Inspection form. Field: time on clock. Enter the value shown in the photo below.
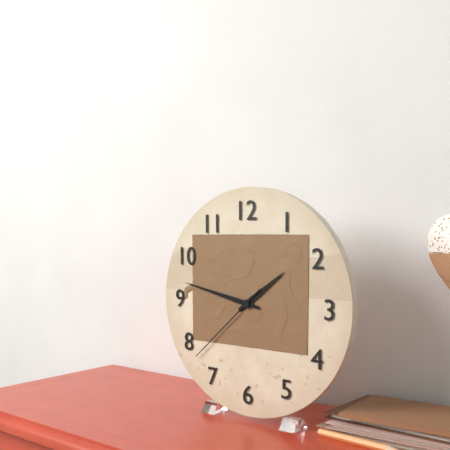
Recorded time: 1:47:38
